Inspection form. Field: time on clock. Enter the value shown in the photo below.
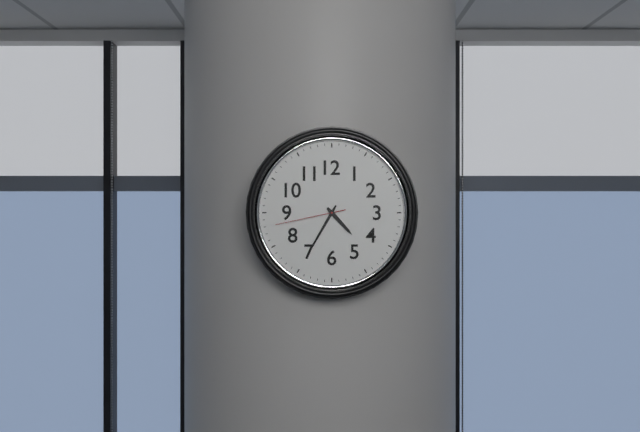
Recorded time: 4:35:43
